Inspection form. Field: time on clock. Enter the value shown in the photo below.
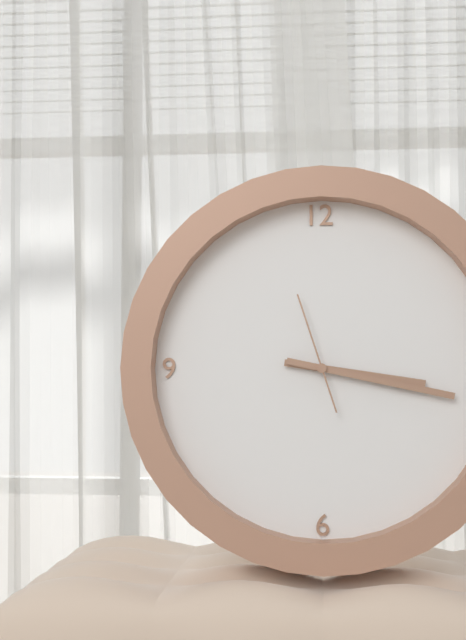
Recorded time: 3:17:57
